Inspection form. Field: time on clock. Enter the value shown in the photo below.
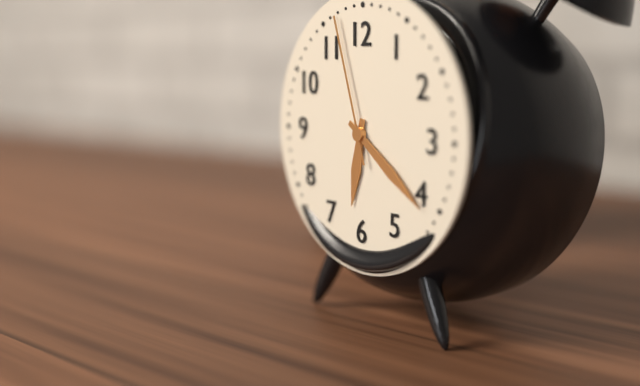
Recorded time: 6:21:57
